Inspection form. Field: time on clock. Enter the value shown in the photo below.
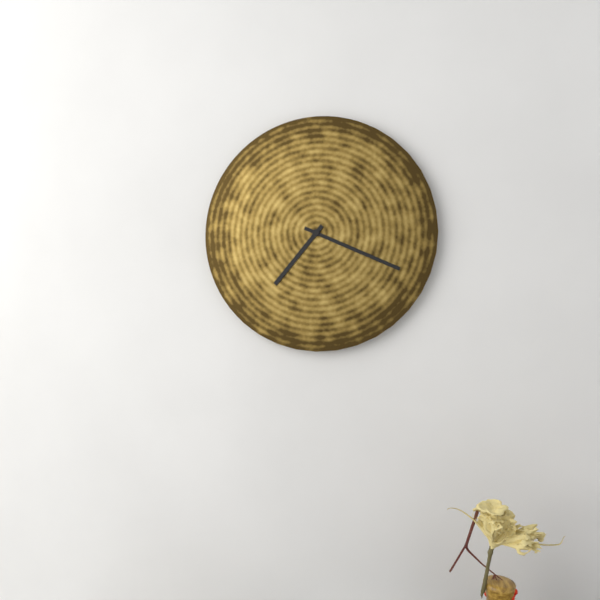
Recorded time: 7:19
